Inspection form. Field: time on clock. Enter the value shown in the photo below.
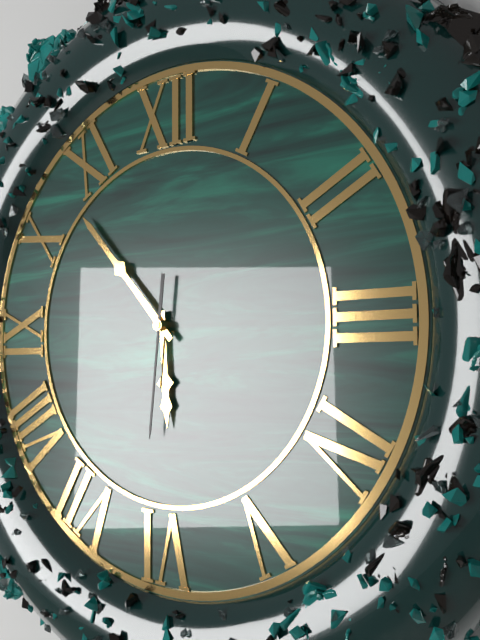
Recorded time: 5:53:31
